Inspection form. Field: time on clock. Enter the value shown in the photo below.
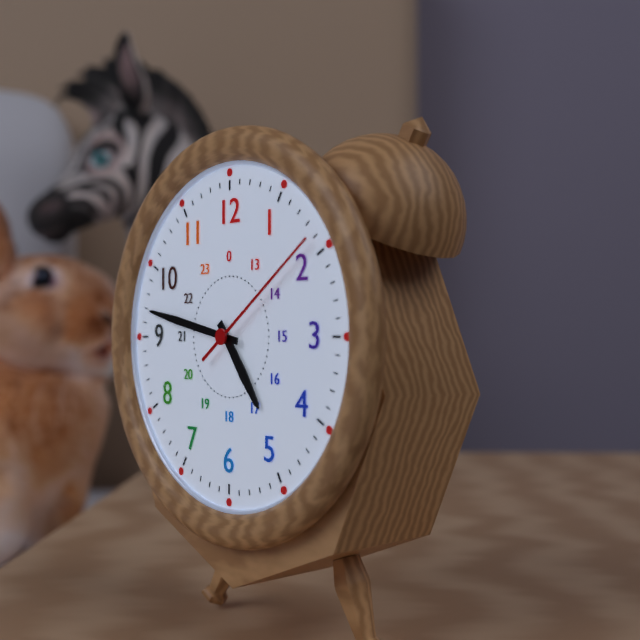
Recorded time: 4:47:09
